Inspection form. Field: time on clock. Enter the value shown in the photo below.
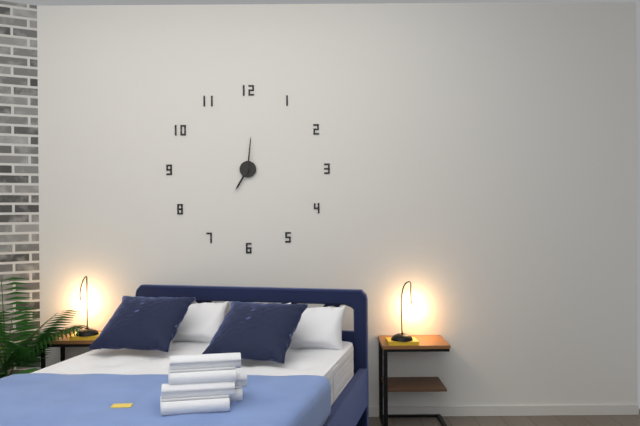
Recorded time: 7:01
